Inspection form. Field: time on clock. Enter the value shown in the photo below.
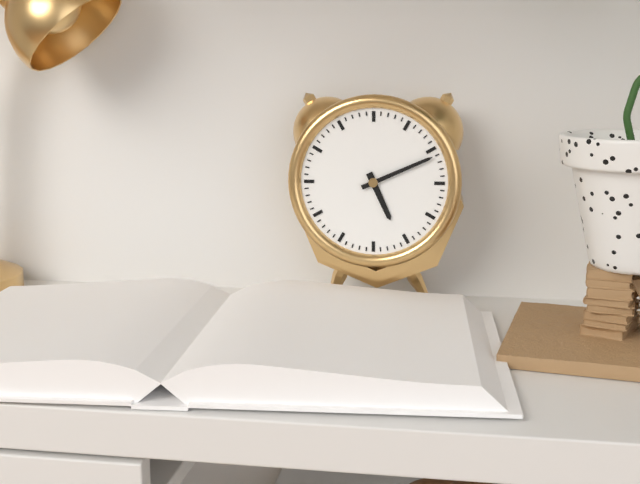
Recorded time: 5:11
